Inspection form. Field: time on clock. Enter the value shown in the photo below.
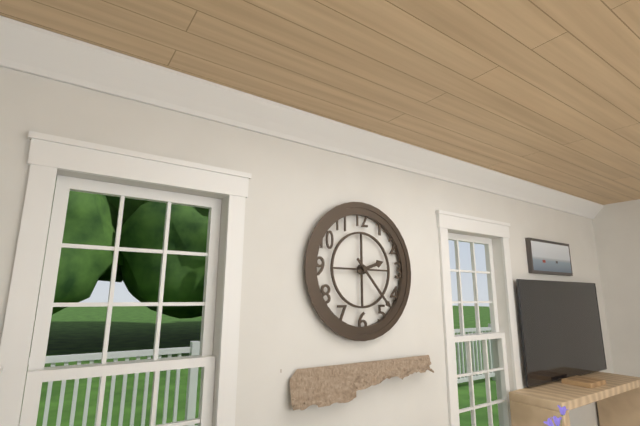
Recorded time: 2:23
